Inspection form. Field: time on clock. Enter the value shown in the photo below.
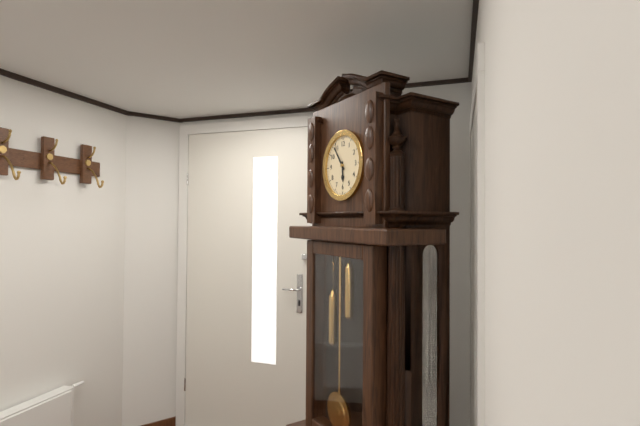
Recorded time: 5:54
